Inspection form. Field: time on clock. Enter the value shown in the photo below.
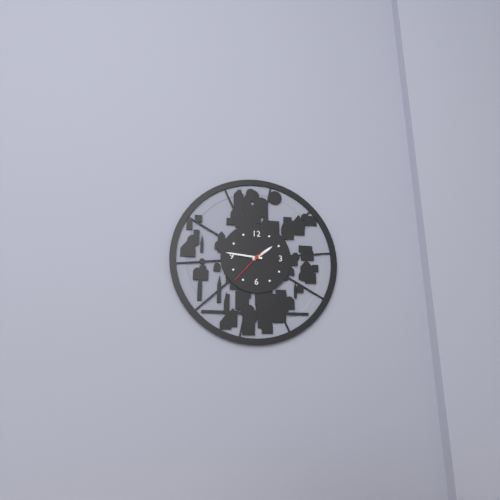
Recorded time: 1:46
